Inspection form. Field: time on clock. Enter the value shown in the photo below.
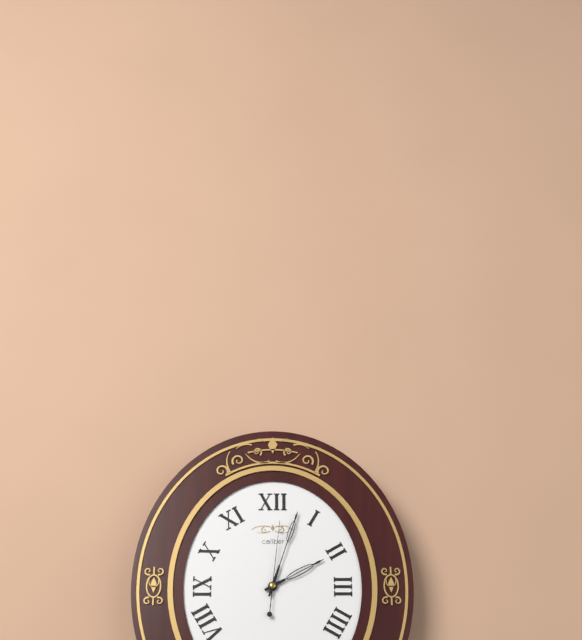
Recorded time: 2:03:01
